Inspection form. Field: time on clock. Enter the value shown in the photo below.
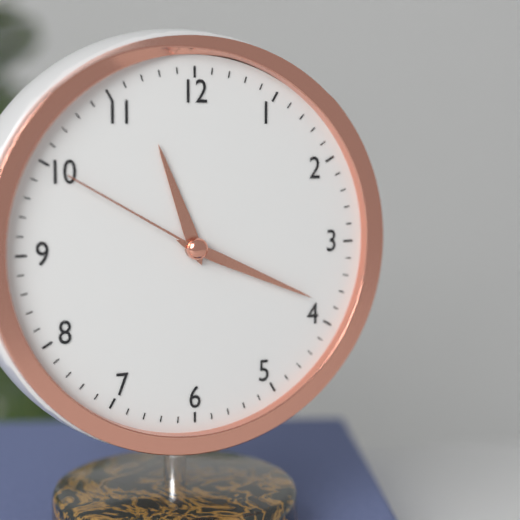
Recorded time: 11:19:50
